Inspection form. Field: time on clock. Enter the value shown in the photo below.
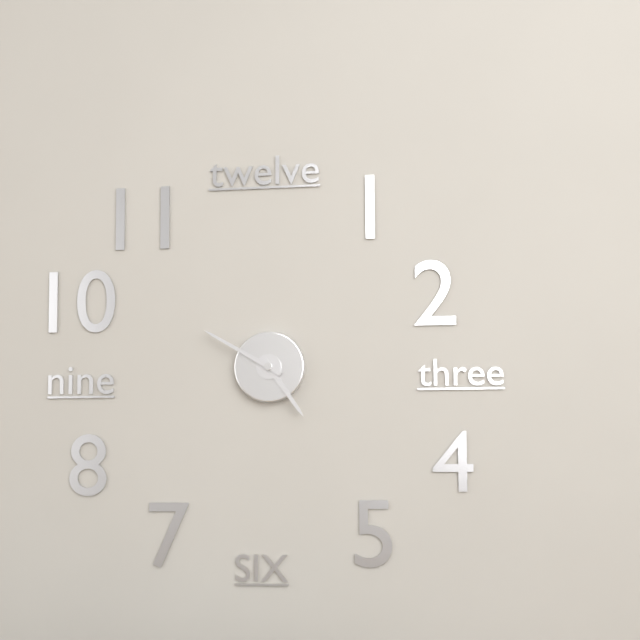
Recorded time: 4:50
